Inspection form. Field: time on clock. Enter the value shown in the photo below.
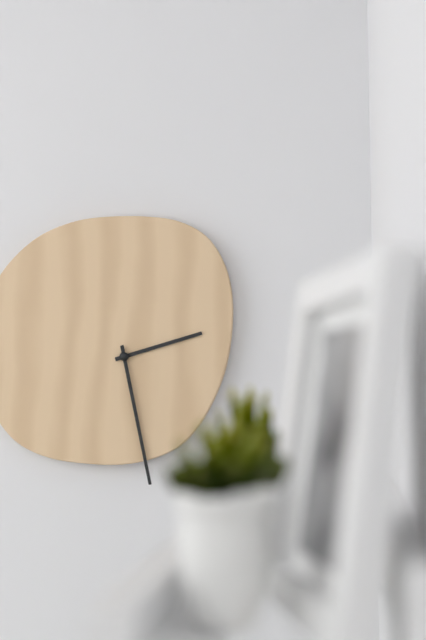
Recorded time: 2:28
